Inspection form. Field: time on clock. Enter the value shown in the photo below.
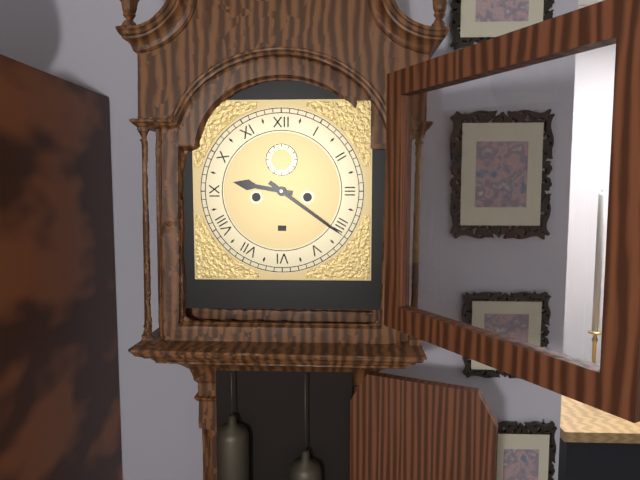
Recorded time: 9:21
